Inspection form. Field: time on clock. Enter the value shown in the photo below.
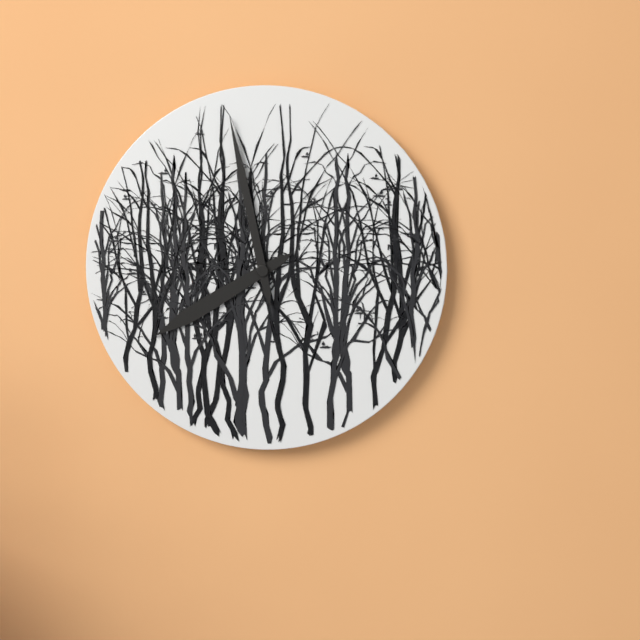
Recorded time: 7:58
